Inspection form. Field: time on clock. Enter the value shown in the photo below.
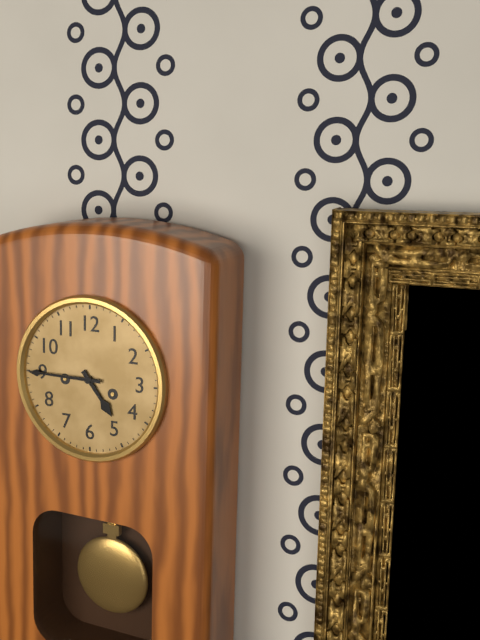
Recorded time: 4:45
